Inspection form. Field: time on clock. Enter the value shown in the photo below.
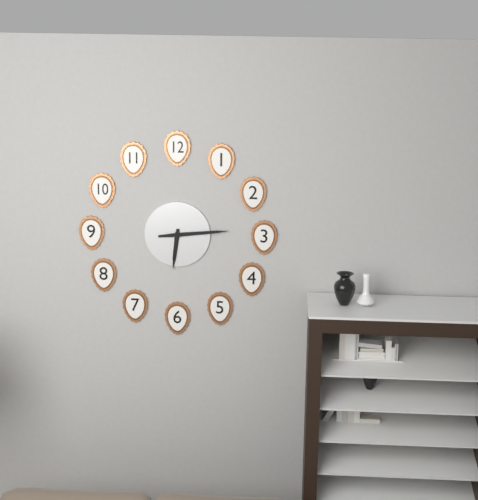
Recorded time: 6:14
